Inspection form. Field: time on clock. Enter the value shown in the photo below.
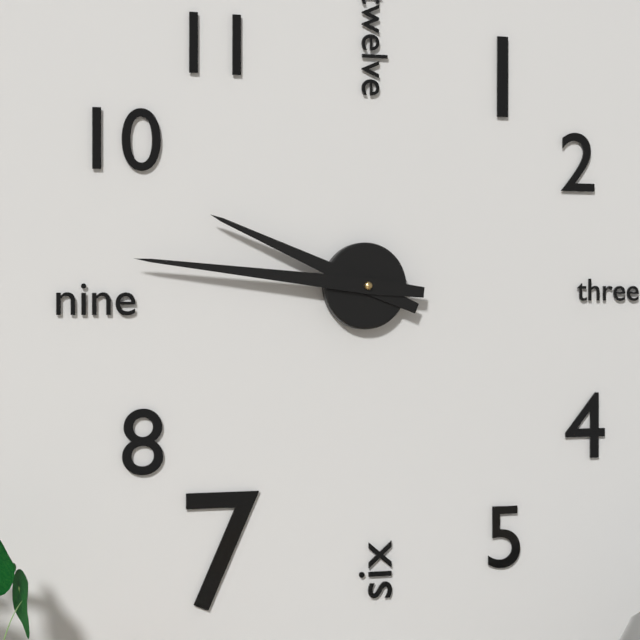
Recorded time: 9:46
